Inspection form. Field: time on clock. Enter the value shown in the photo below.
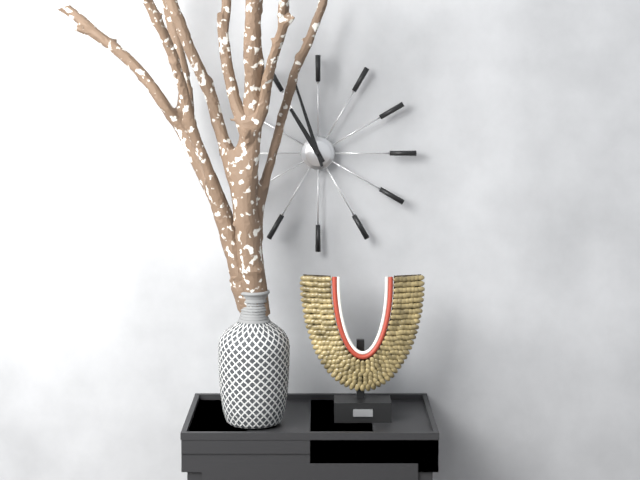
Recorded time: 10:57
